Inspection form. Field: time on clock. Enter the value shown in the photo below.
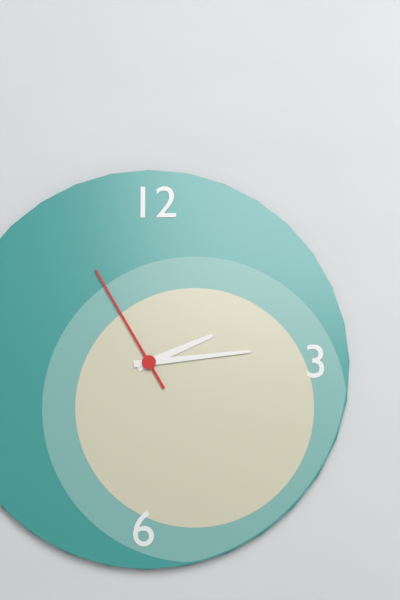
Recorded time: 2:14:55
